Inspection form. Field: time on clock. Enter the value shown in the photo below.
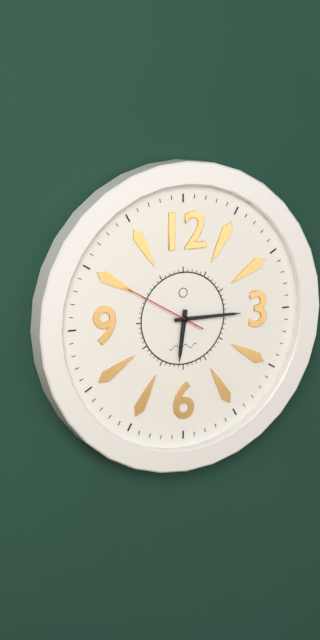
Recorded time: 6:15:50
